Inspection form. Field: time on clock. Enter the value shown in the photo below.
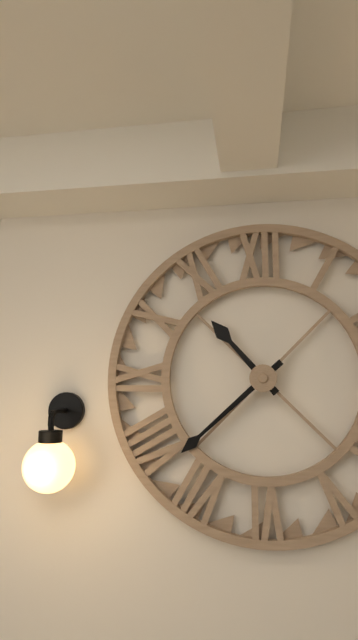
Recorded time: 10:38
